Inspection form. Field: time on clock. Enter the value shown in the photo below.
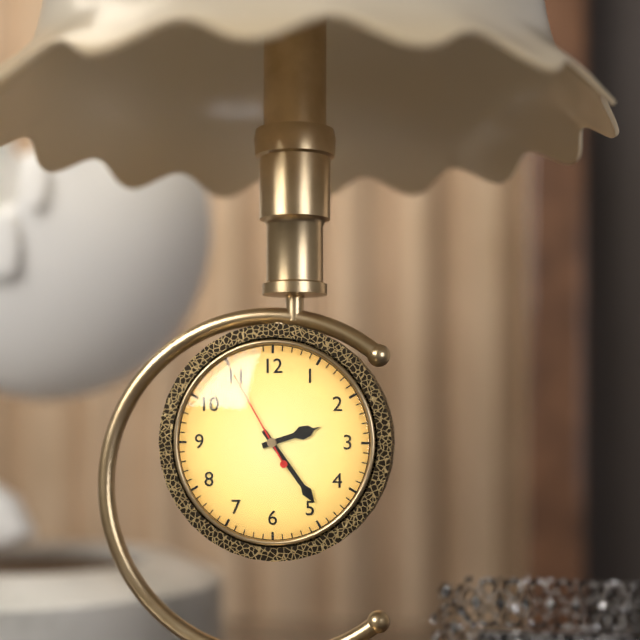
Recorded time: 2:24:55
